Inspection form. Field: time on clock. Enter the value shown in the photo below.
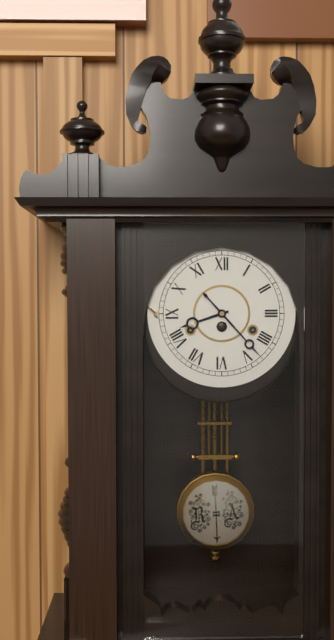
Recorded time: 8:23
